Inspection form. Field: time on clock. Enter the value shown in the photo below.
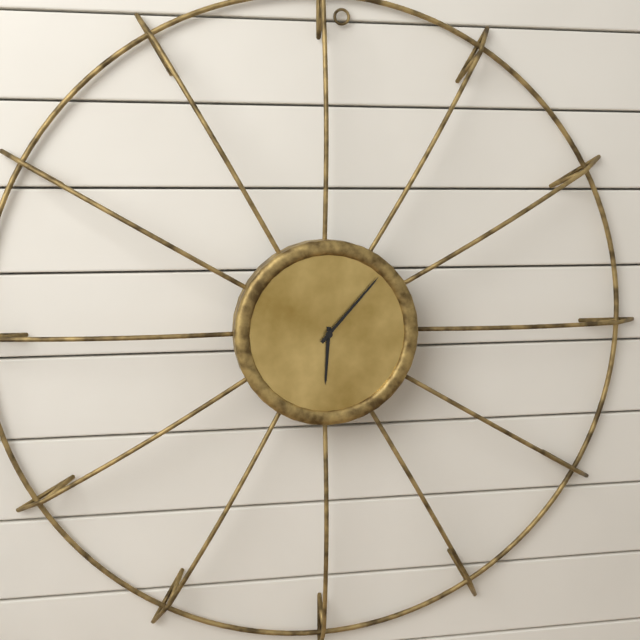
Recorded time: 6:07
